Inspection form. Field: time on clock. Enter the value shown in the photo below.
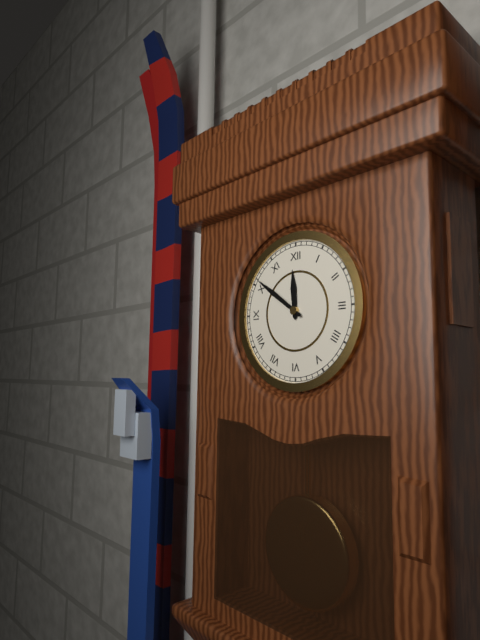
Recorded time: 11:51
